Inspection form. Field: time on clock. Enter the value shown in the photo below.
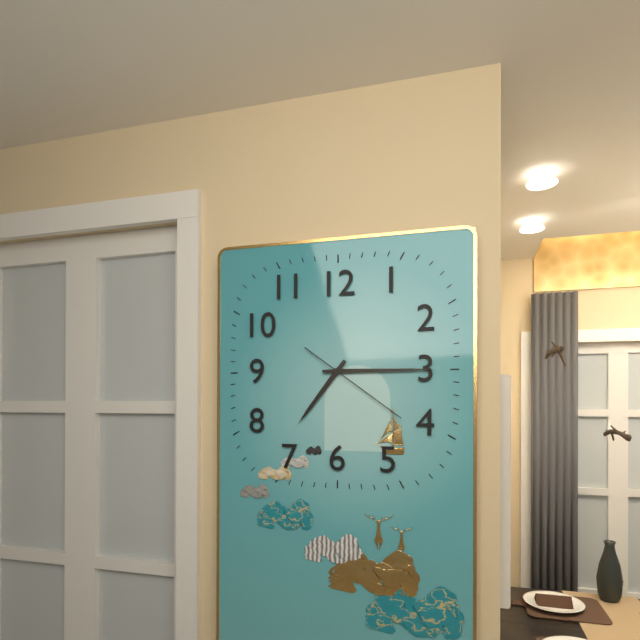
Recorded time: 7:15:21
